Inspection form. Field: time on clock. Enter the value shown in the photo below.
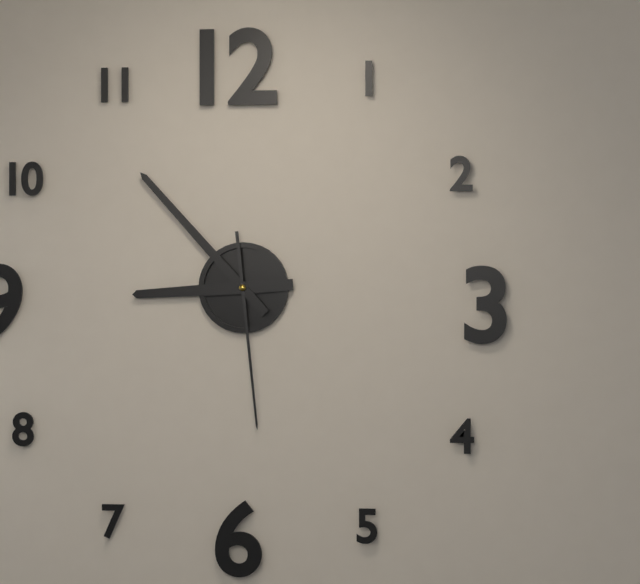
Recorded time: 8:53:29
